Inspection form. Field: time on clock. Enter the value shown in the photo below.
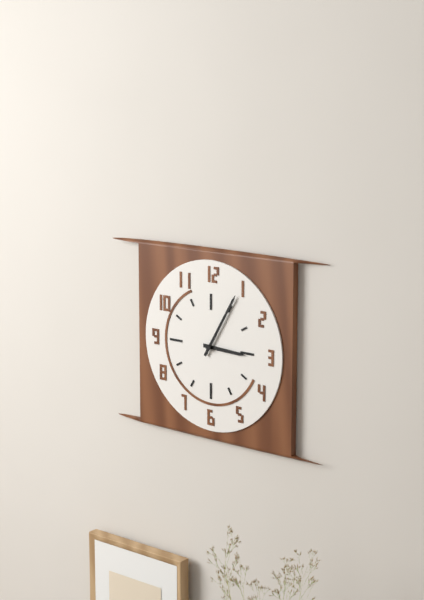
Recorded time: 3:05
